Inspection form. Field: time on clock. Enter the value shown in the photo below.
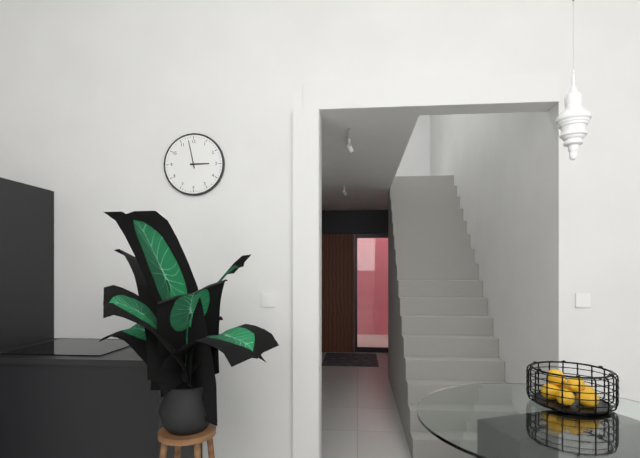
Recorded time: 2:58
